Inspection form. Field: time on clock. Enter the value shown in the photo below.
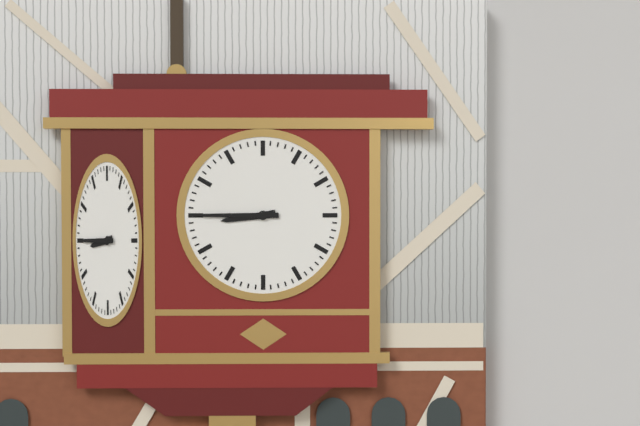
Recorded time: 8:45
